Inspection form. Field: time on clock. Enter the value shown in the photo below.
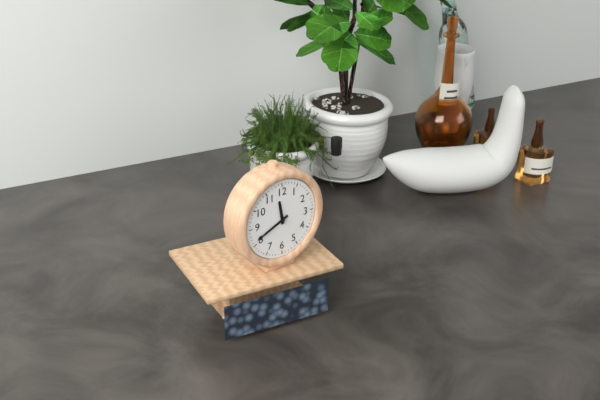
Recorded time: 11:41
